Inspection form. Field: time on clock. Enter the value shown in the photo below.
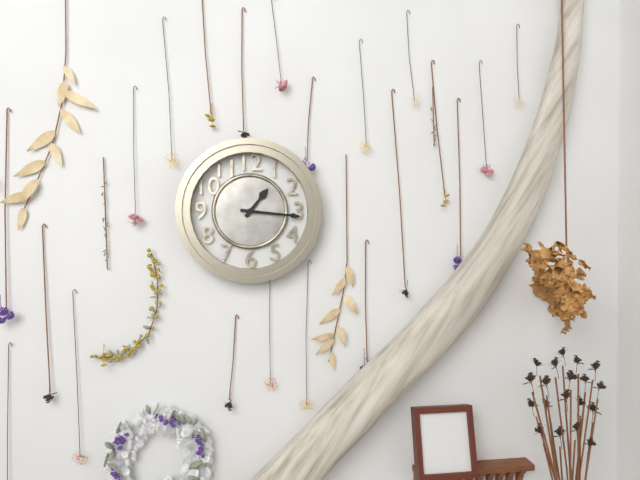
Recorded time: 1:16
